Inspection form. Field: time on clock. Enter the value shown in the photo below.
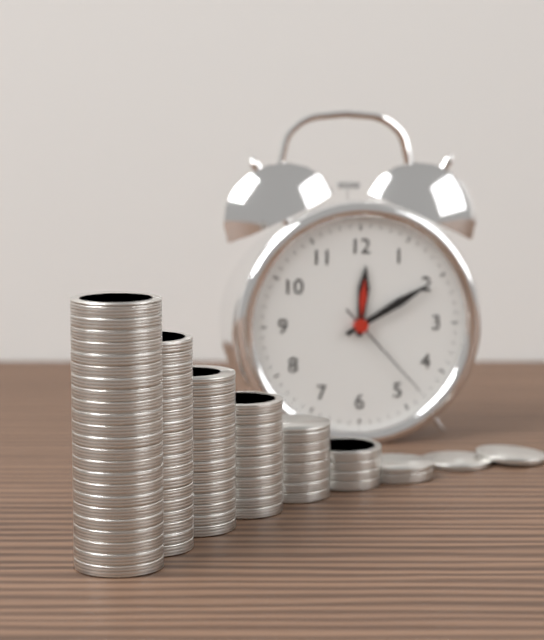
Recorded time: 12:10:23
